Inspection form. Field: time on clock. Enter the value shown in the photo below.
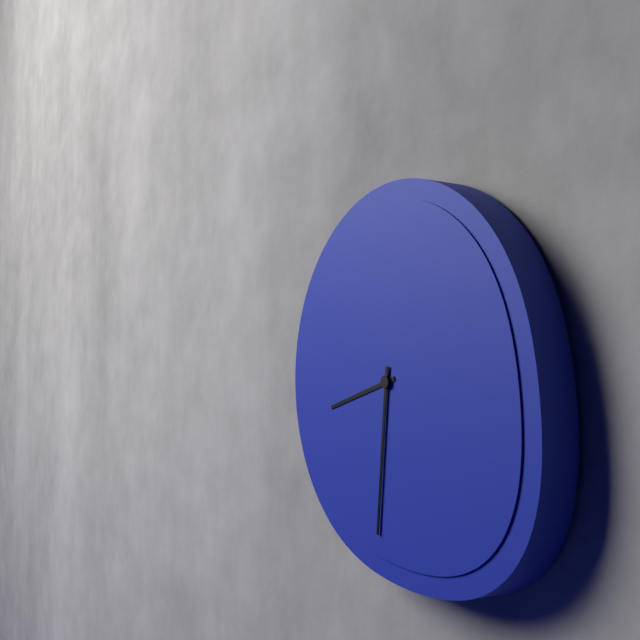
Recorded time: 8:31
